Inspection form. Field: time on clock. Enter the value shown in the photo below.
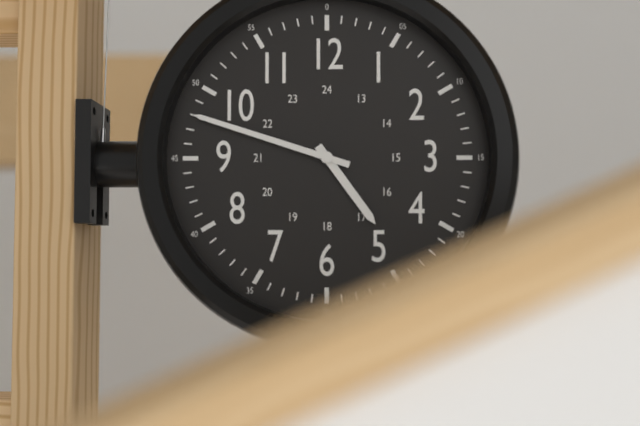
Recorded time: 4:48
